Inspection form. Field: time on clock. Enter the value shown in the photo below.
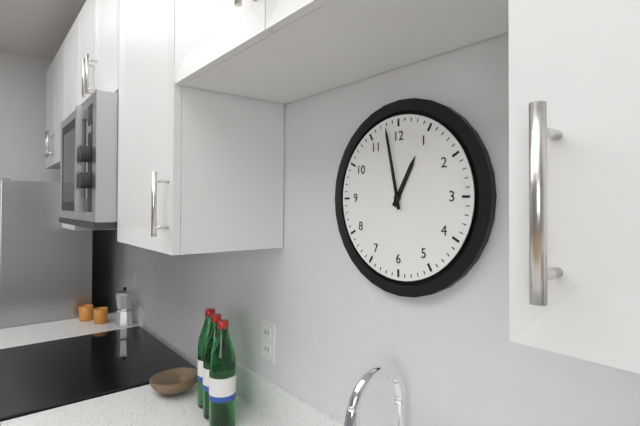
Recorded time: 12:58
